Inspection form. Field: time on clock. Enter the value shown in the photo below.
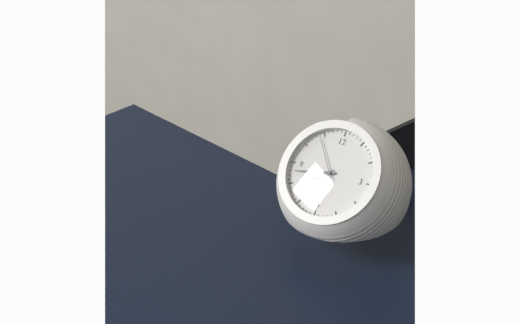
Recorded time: 7:43
